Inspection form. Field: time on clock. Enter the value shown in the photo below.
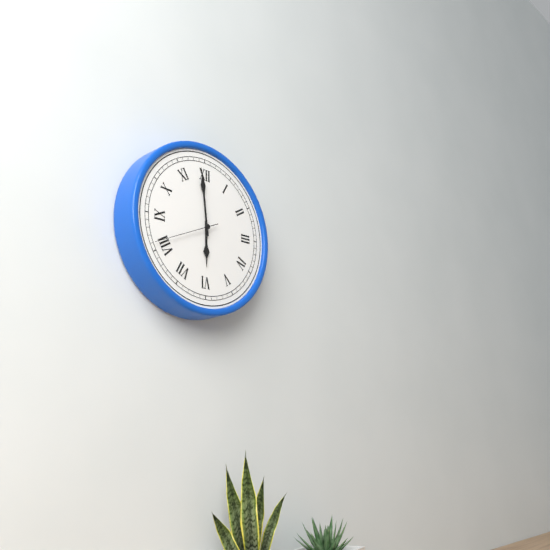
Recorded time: 5:59:41
